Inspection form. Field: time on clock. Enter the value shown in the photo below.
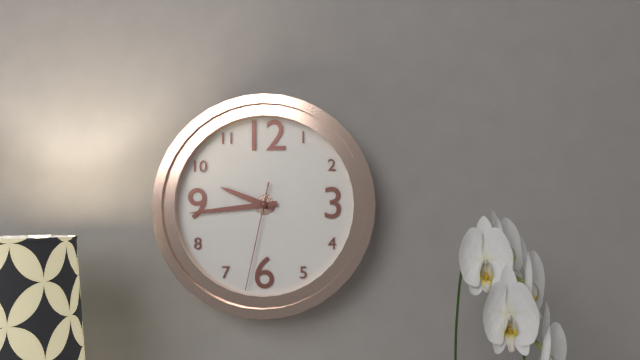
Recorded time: 9:44:32
